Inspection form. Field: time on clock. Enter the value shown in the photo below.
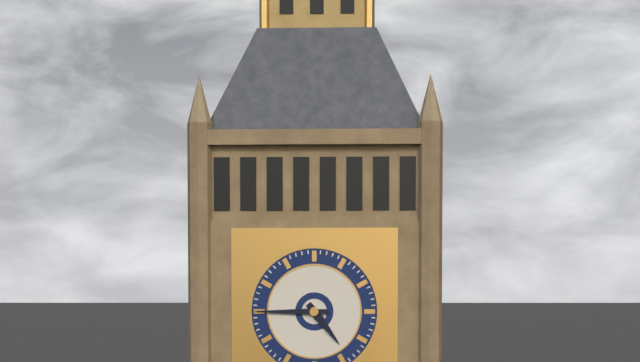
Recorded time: 4:45
